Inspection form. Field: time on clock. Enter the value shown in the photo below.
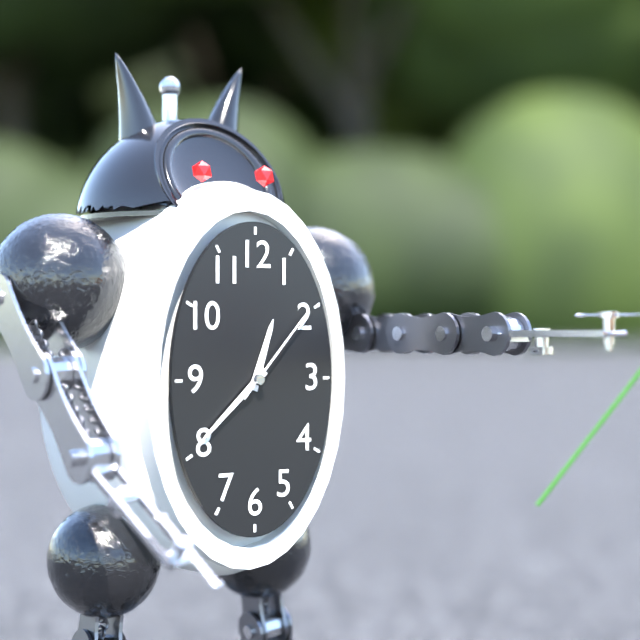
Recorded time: 12:38:07
